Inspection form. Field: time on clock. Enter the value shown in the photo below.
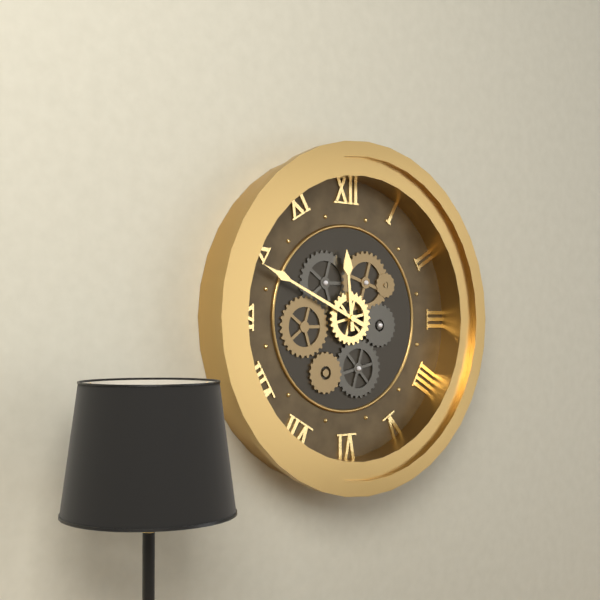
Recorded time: 11:49
